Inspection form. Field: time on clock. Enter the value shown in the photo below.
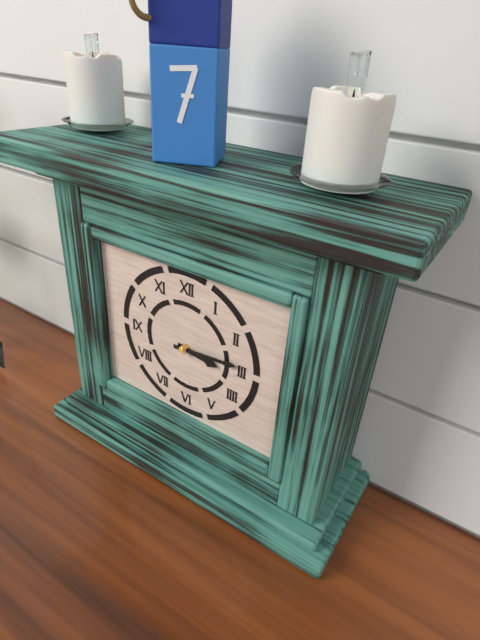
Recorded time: 3:14
